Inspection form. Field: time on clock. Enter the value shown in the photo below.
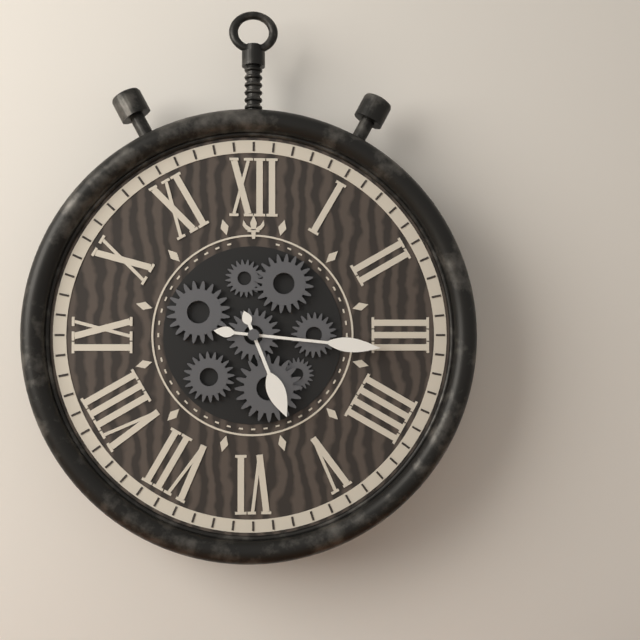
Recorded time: 5:16
